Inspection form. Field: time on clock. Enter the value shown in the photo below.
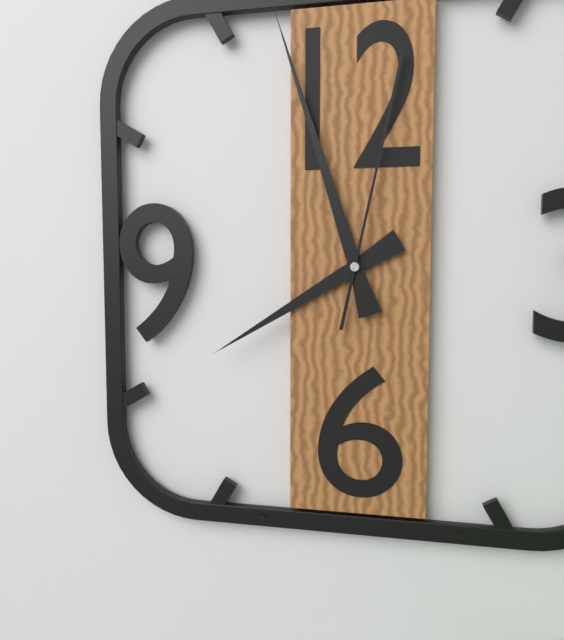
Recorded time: 7:57:02
